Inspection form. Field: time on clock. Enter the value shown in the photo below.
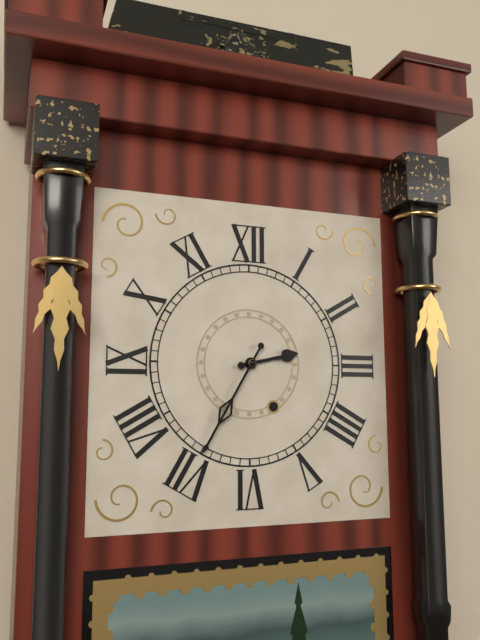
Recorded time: 2:35
